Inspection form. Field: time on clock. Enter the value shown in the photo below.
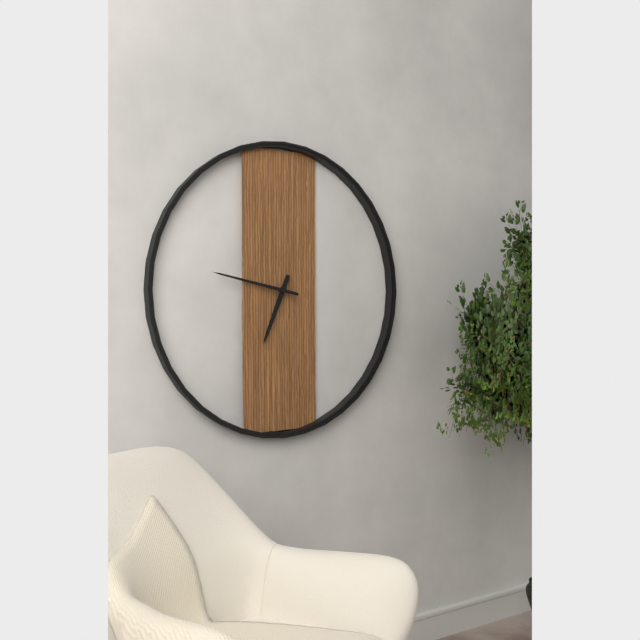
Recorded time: 6:47
